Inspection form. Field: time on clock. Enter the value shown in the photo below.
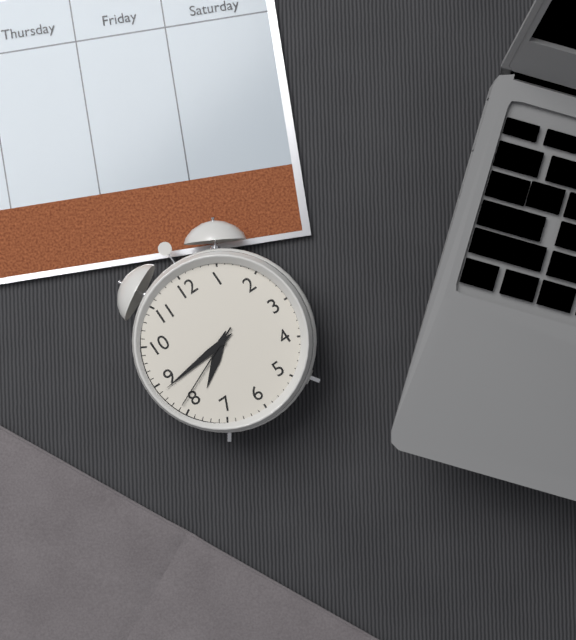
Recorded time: 7:44:41
